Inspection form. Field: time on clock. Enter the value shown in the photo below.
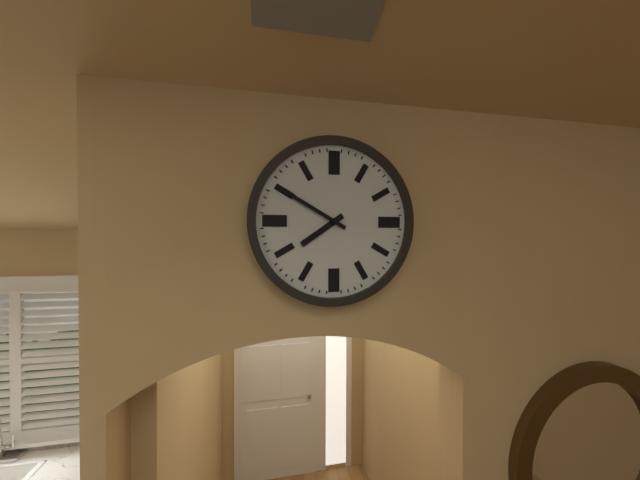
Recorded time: 7:50
